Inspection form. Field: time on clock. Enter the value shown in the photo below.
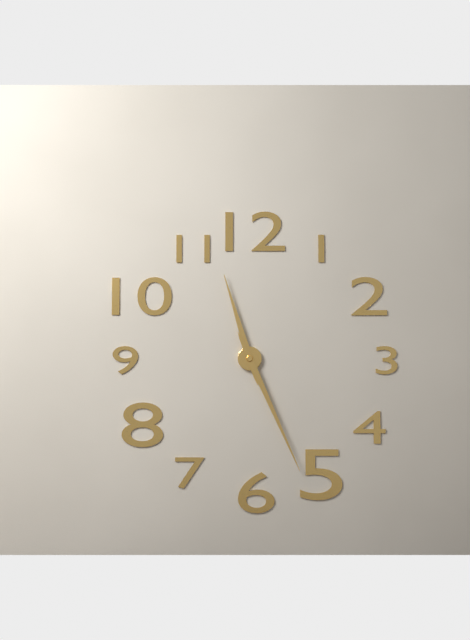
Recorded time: 11:26
